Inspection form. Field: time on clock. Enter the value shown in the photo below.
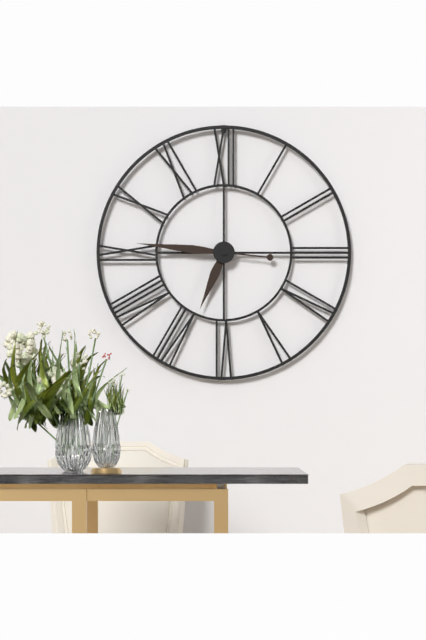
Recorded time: 6:46
